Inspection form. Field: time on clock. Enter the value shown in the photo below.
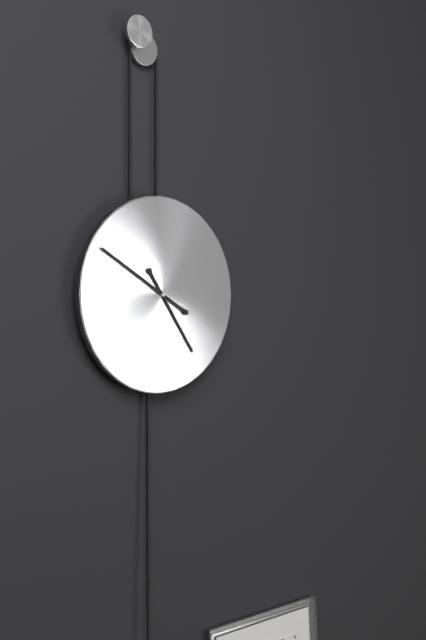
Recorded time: 4:50
